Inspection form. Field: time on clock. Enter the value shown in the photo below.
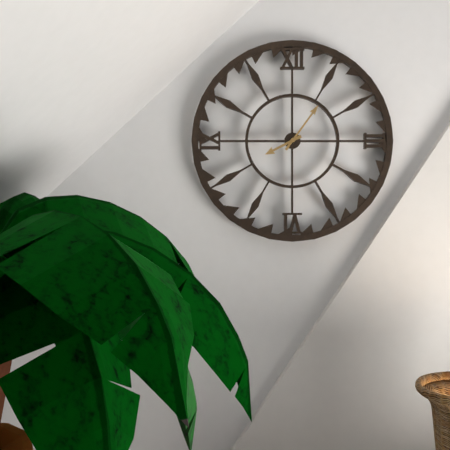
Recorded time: 8:06
